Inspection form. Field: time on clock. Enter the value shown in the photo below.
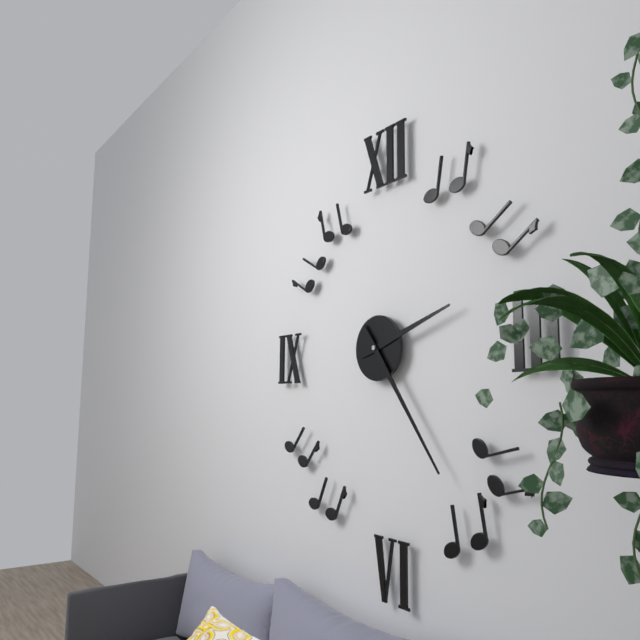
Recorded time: 2:24
